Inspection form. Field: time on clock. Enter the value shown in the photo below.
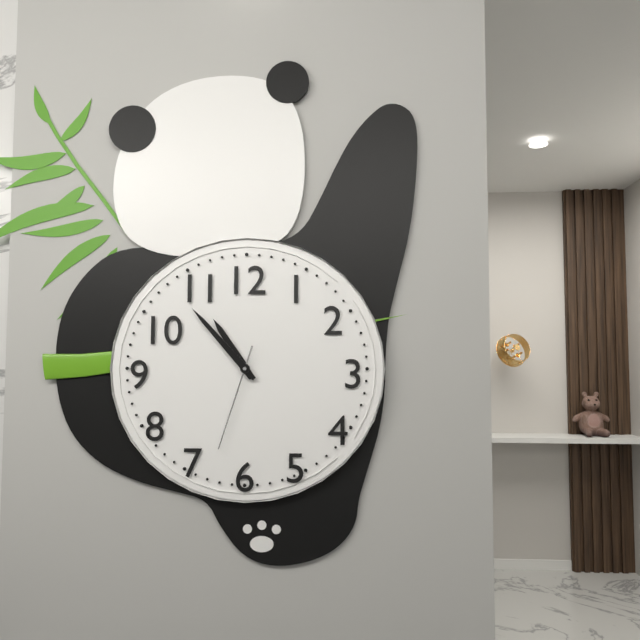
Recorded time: 10:53:33
